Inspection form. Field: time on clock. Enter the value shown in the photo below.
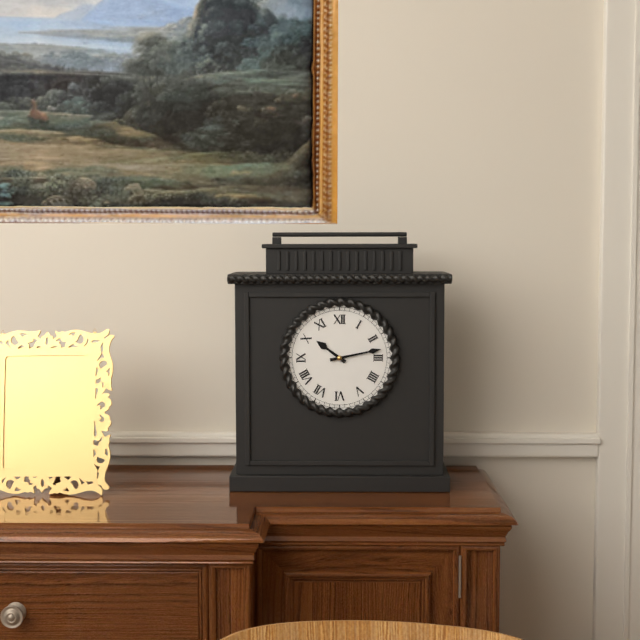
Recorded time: 10:13
